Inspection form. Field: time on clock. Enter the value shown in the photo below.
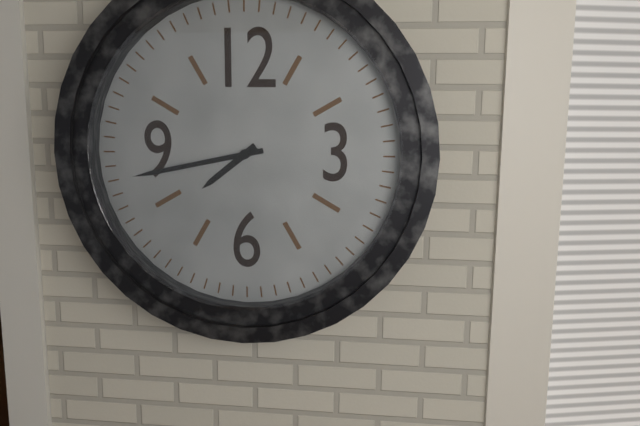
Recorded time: 7:43
